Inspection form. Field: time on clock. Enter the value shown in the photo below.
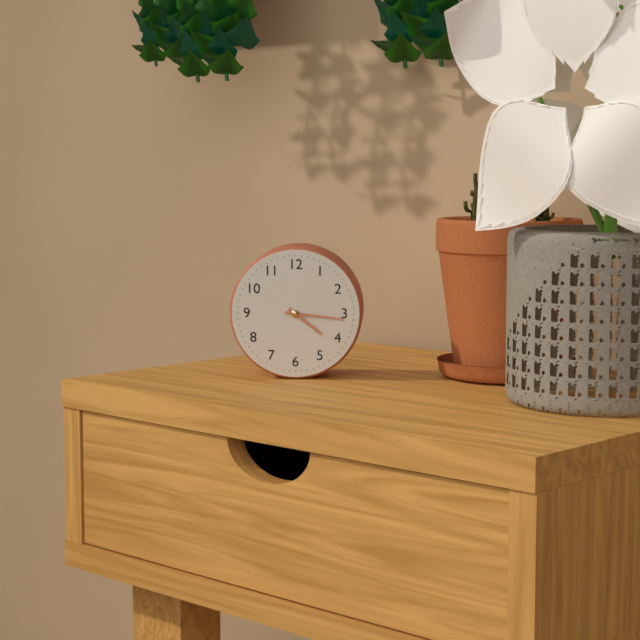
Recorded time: 4:16
